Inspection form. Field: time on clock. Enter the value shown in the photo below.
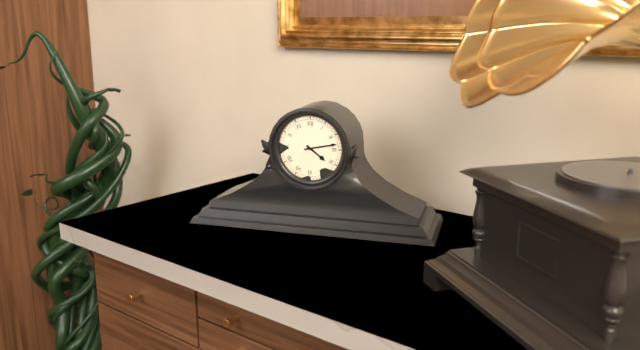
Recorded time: 4:13
